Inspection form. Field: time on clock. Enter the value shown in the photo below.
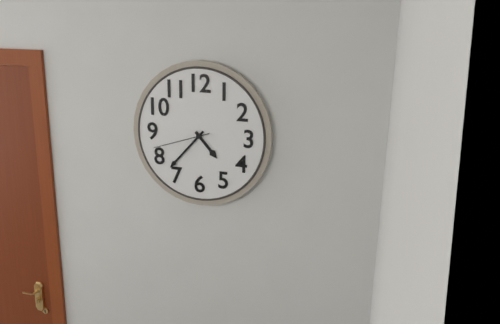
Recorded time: 4:37:42
